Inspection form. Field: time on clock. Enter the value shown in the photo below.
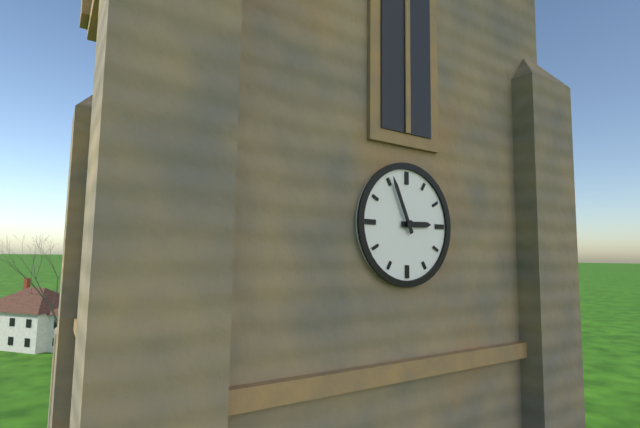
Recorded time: 2:56
